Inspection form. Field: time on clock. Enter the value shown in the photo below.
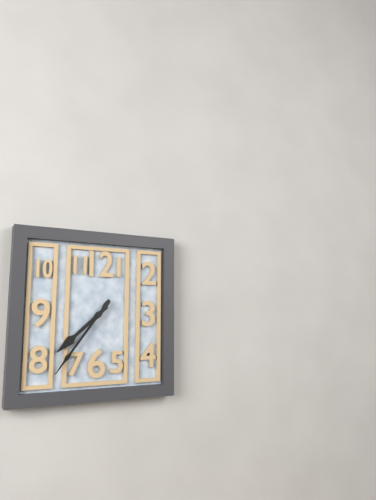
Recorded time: 7:36
